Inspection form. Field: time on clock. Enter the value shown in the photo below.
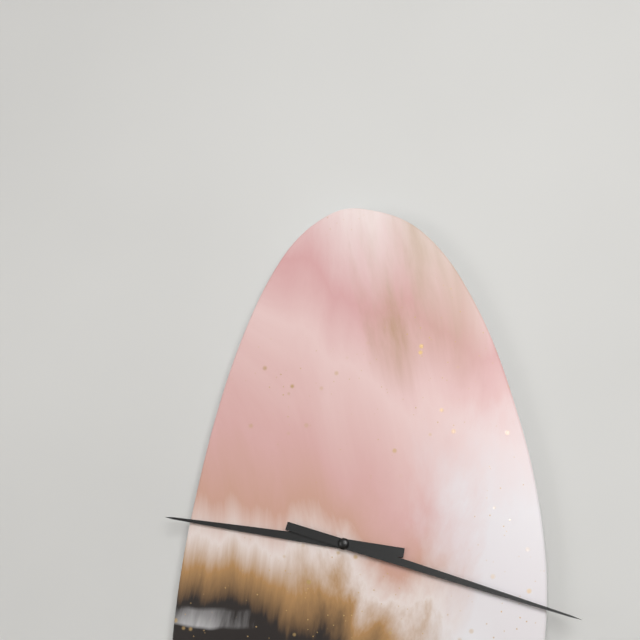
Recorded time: 9:18
